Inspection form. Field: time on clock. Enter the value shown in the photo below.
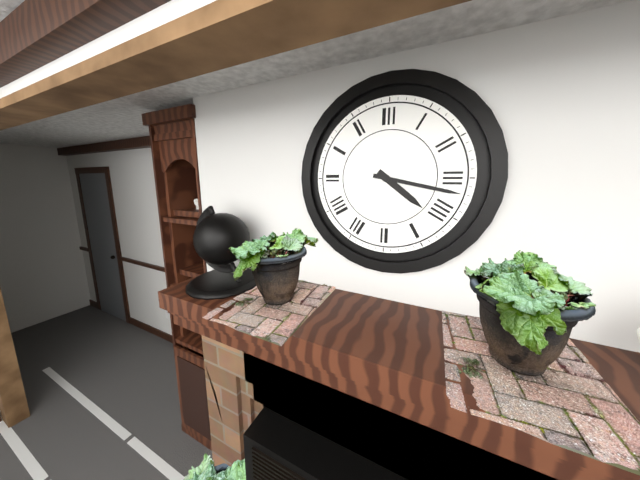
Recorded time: 4:17
